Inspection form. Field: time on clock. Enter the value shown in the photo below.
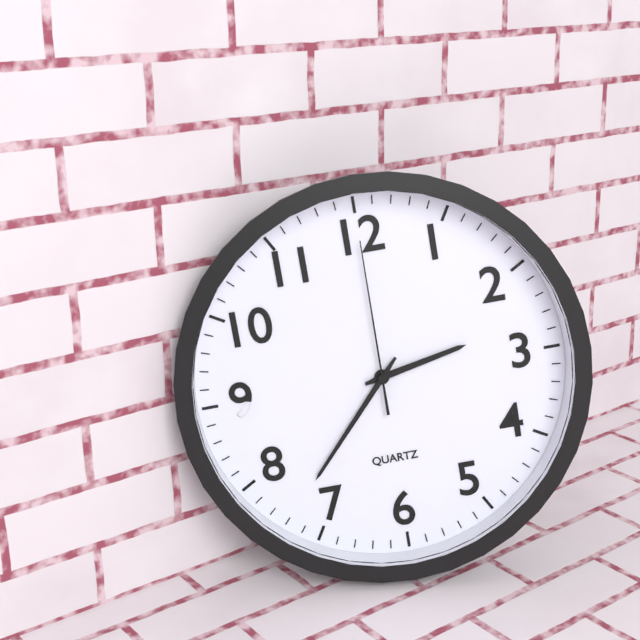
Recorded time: 2:37:00
